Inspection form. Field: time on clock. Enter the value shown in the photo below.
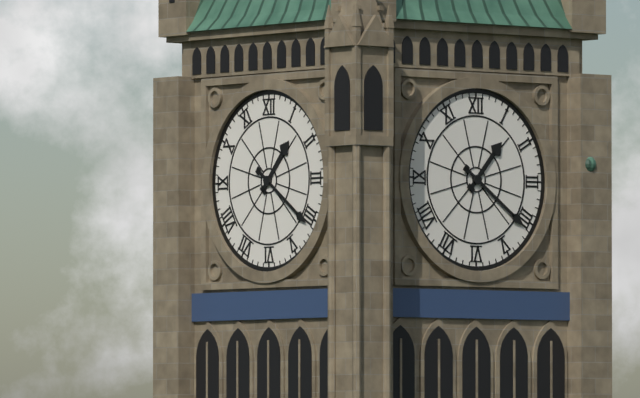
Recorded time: 1:21
